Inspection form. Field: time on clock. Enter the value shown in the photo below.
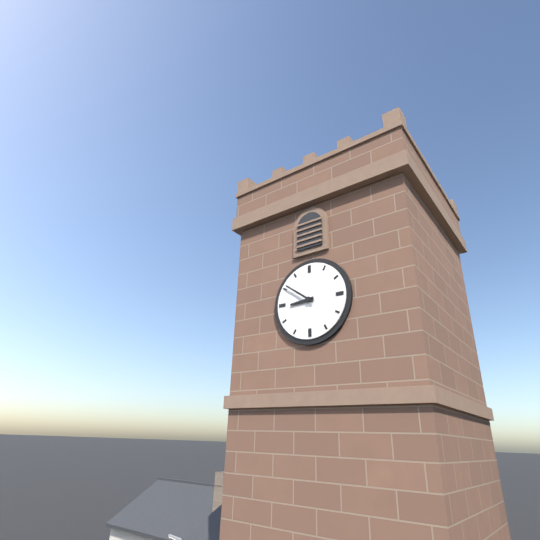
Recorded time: 8:51
